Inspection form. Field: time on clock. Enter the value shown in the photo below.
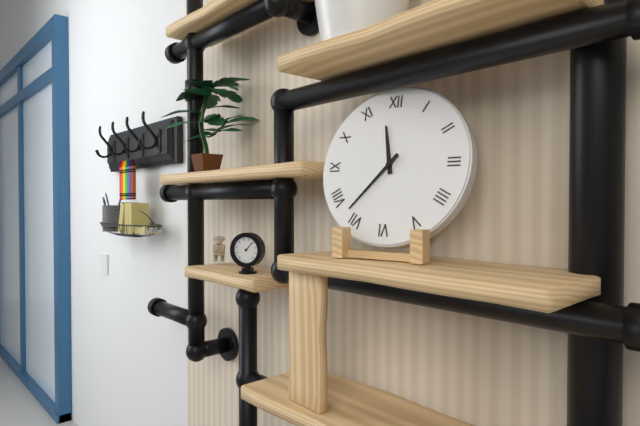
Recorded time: 11:37
